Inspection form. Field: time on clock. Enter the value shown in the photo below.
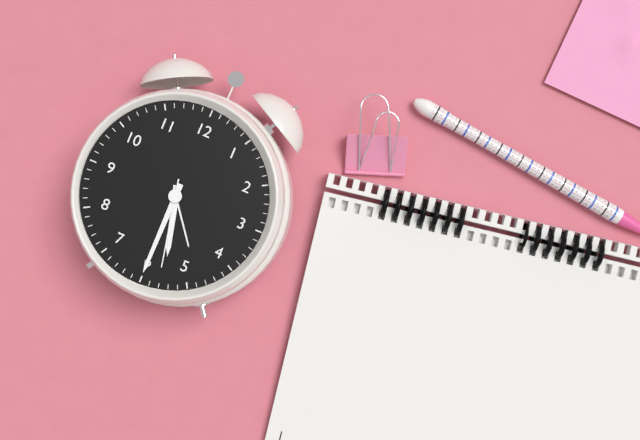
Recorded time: 5:30:28
